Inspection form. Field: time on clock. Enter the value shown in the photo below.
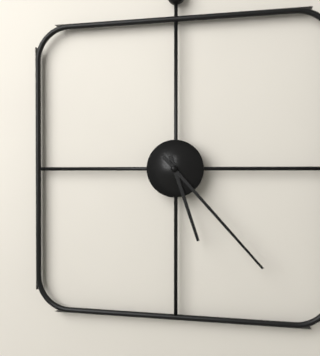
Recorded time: 5:23
